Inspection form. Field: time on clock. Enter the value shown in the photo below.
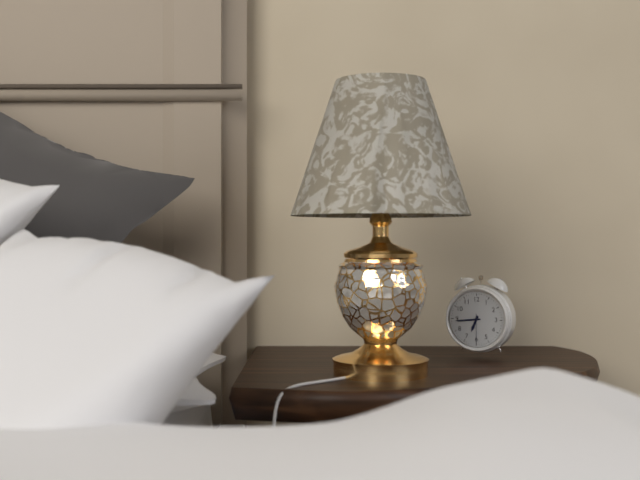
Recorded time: 6:44
